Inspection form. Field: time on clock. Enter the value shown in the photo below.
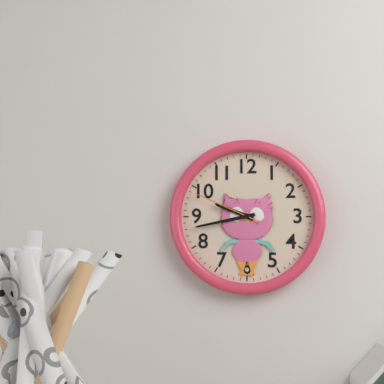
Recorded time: 9:43:49
